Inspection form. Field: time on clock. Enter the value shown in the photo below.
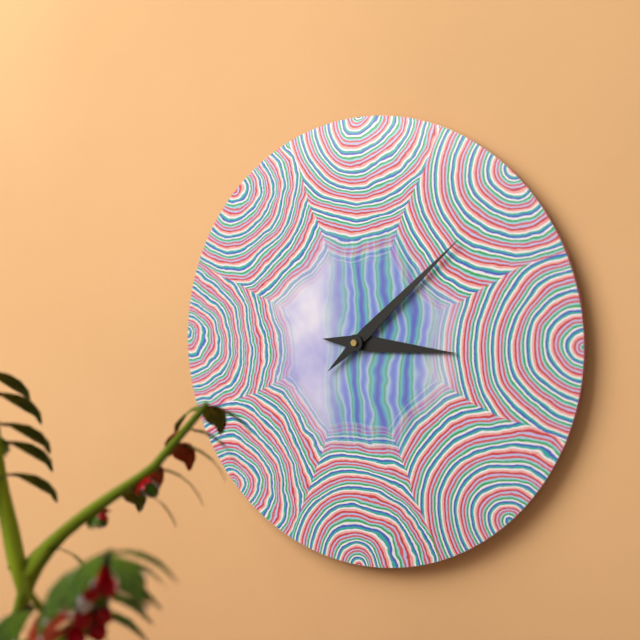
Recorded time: 3:08
